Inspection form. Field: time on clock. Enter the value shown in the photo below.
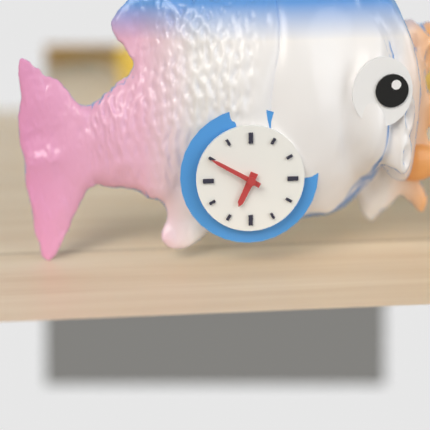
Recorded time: 6:50
